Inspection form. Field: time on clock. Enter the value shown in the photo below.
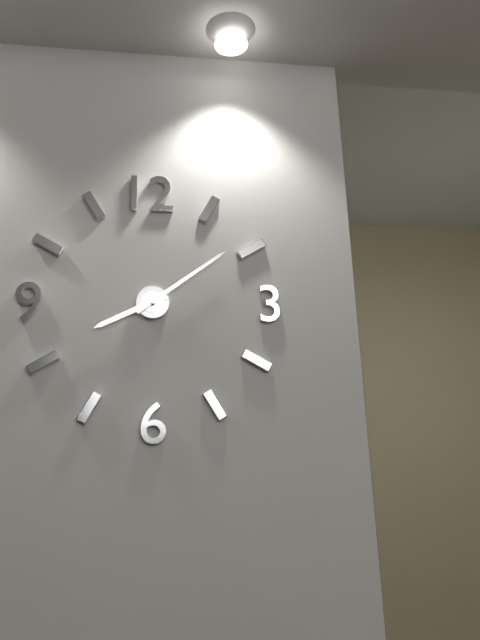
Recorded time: 8:09
